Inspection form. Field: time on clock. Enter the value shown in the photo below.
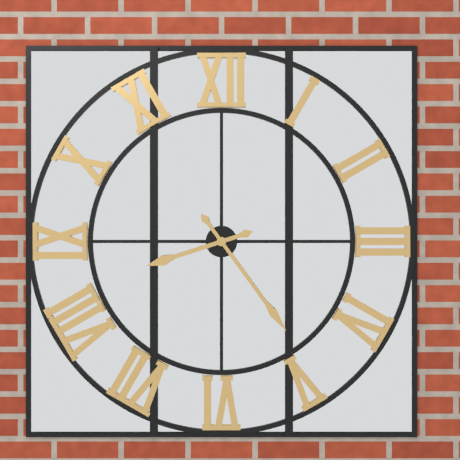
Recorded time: 8:24
